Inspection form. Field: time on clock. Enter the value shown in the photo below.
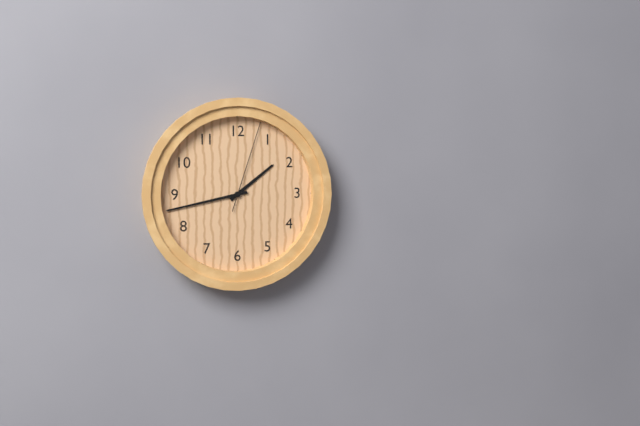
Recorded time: 1:43:03
